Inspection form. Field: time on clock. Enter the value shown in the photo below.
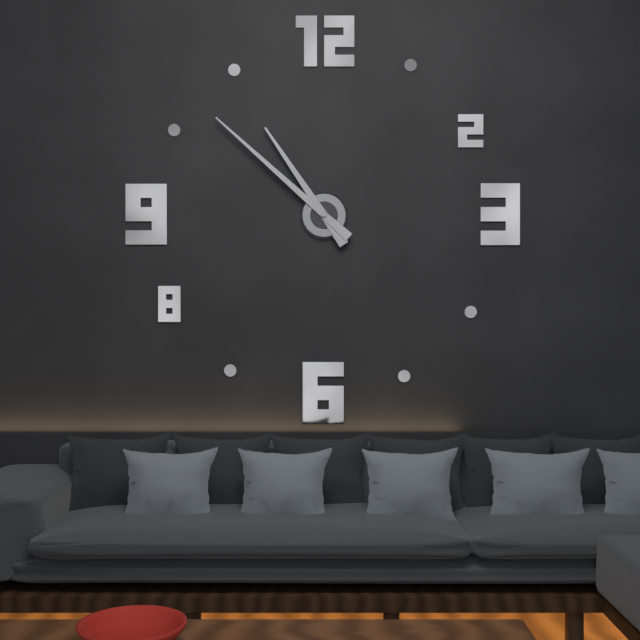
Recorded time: 10:52
